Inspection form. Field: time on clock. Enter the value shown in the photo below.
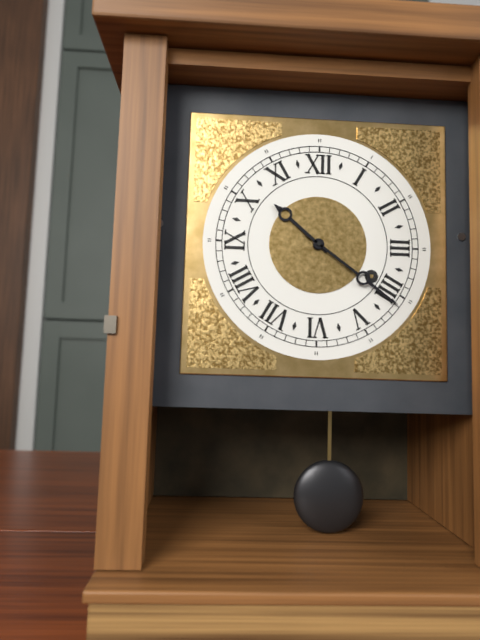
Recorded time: 10:21
